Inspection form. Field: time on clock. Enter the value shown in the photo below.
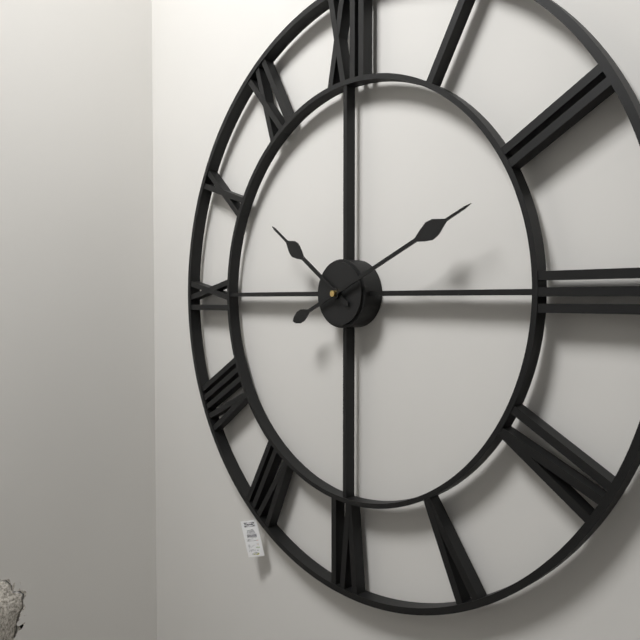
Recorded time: 10:11
